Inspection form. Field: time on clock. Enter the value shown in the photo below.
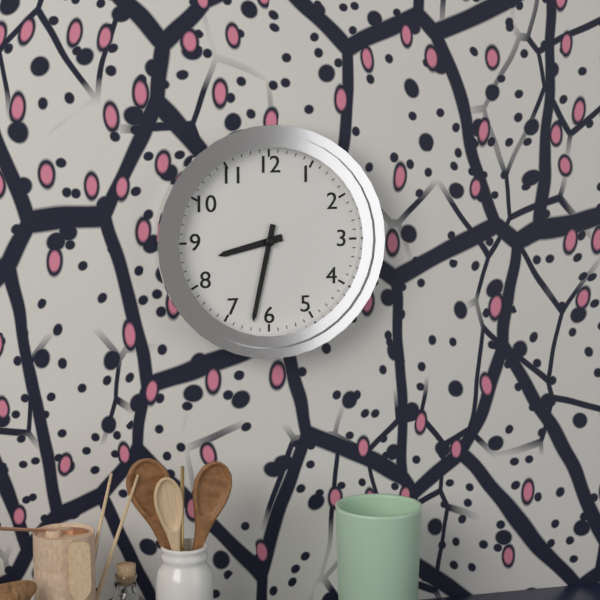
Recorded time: 8:32
